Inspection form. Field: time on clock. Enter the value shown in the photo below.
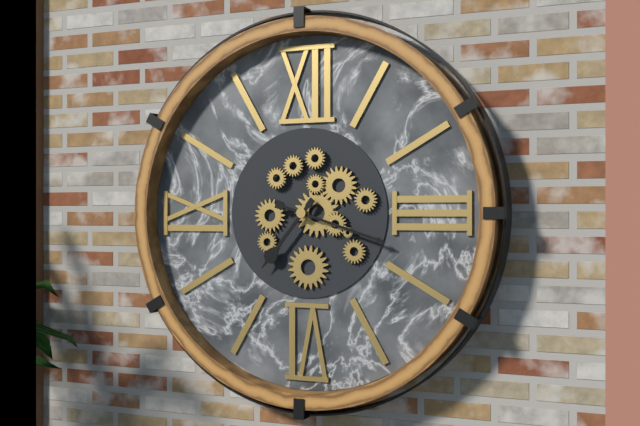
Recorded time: 7:18
